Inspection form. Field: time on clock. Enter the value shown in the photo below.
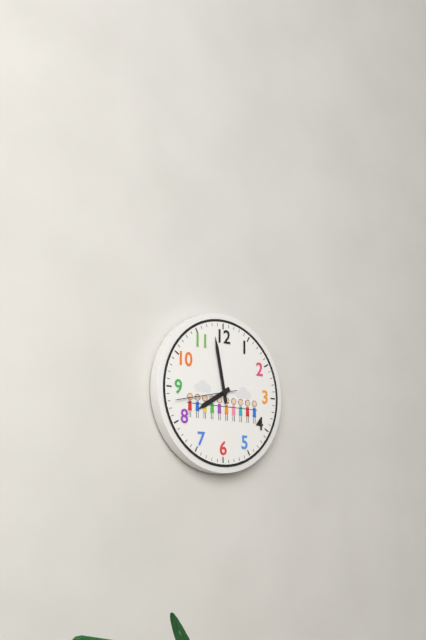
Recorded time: 7:58:43
